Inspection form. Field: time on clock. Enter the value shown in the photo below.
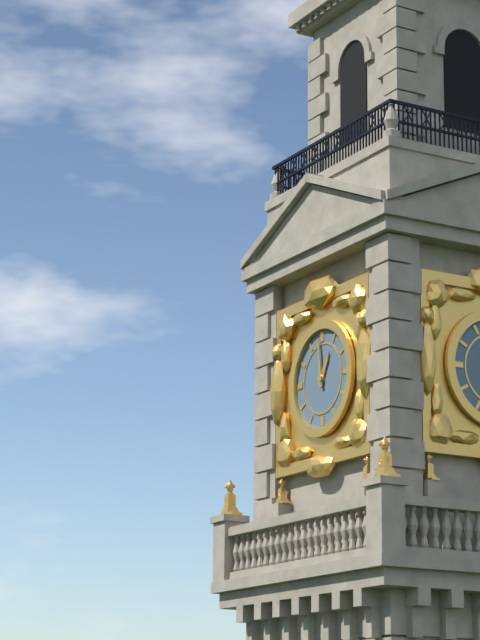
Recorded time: 12:59
